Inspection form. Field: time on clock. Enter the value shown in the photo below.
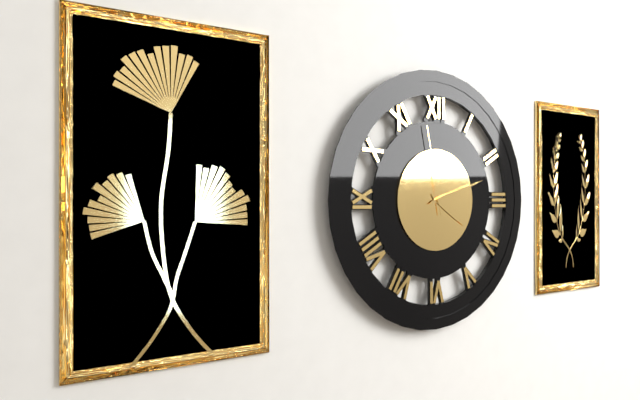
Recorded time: 4:12:58
